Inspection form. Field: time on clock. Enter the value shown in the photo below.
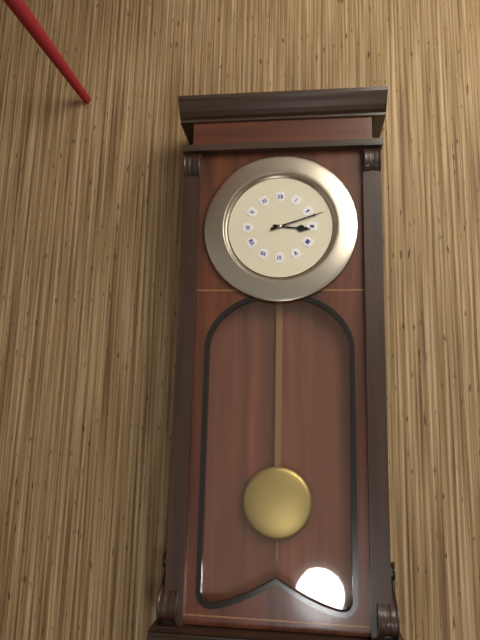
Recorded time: 3:12
